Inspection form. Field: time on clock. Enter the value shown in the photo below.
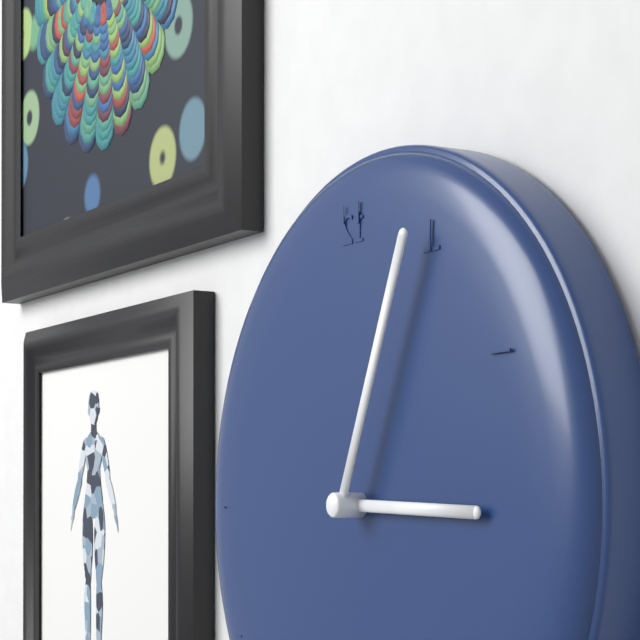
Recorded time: 3:04
